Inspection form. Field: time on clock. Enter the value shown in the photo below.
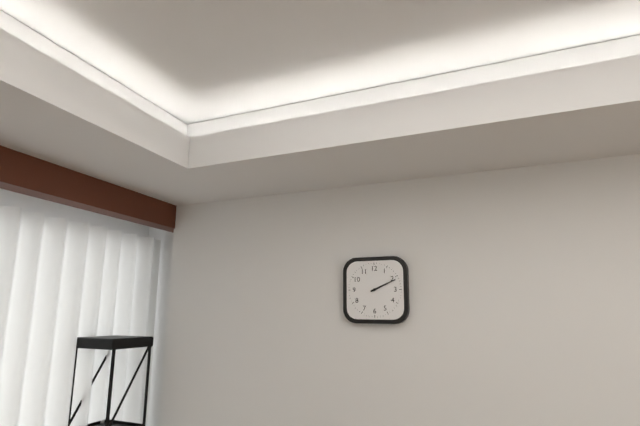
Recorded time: 2:11
